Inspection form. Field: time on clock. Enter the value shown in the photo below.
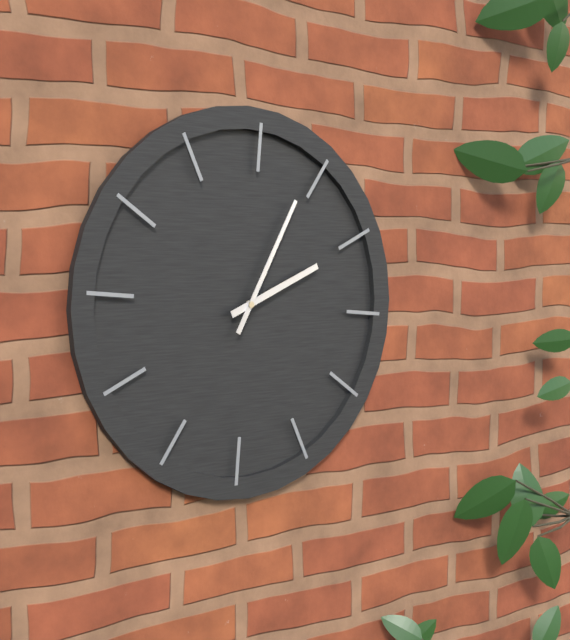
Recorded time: 2:04
